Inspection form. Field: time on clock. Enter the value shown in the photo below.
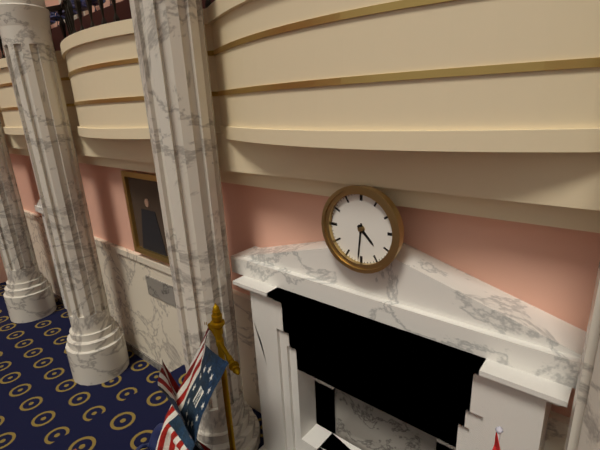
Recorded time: 4:31
